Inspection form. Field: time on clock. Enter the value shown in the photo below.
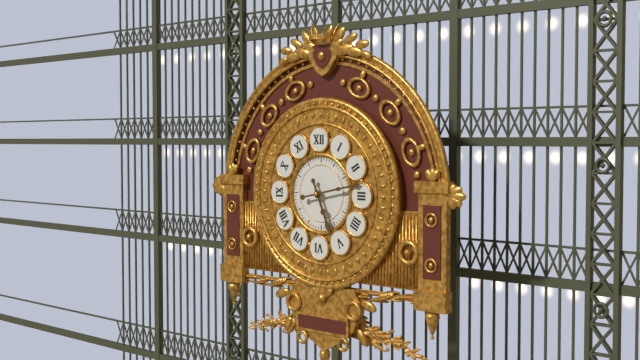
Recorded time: 5:13
